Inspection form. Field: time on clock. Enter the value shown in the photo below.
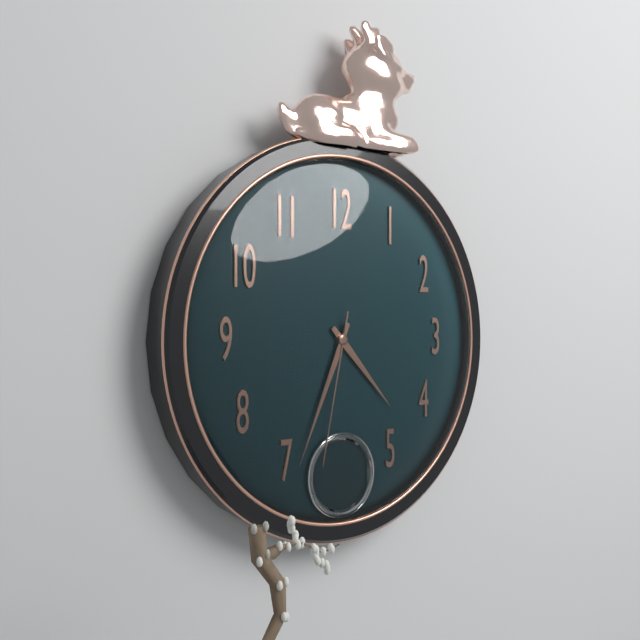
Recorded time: 4:34:32
